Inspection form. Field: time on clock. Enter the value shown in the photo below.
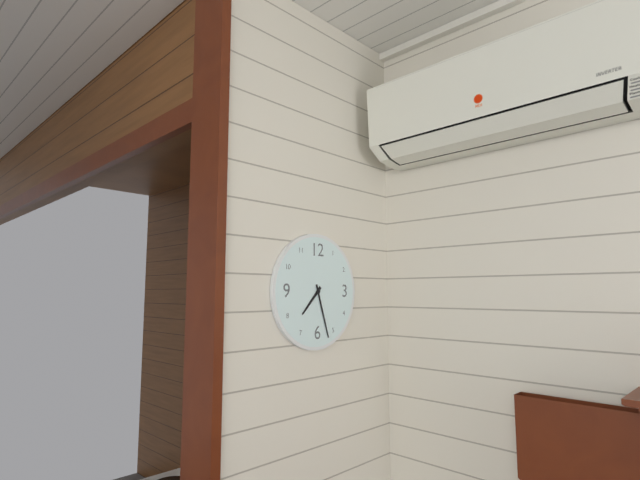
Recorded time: 7:27
